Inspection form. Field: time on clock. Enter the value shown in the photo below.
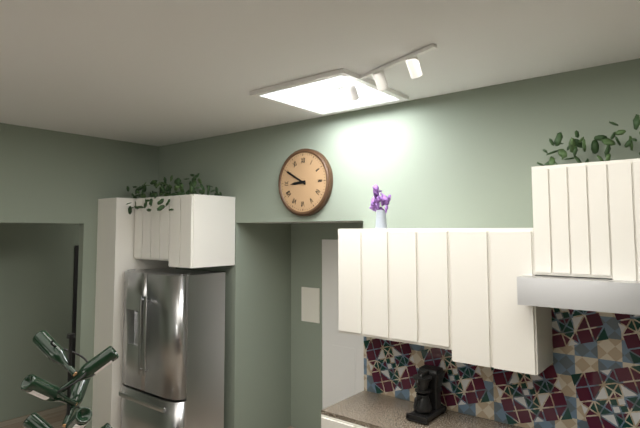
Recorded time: 8:50
